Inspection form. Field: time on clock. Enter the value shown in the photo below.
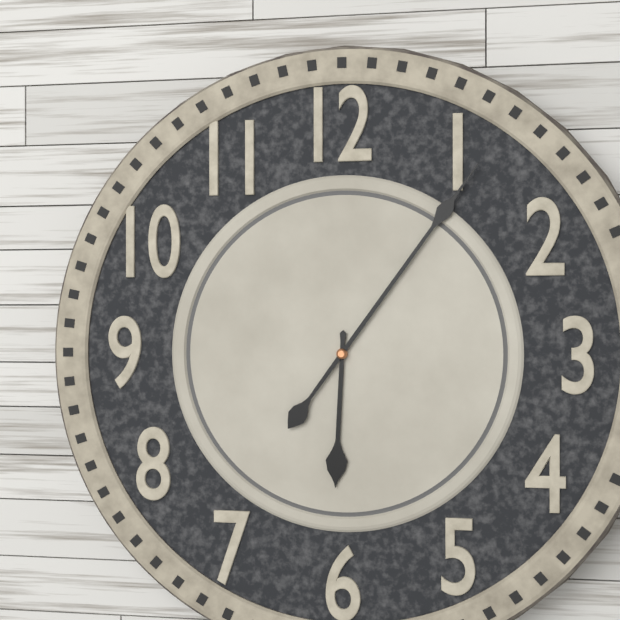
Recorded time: 6:06
